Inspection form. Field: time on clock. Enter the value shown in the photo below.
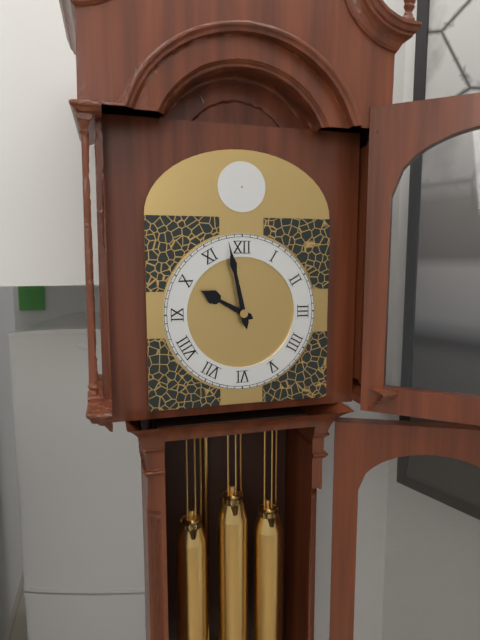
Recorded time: 9:58
